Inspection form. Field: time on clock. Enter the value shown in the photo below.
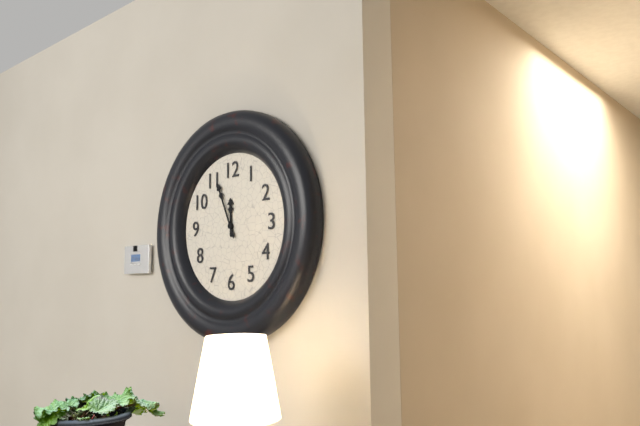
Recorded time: 11:56
